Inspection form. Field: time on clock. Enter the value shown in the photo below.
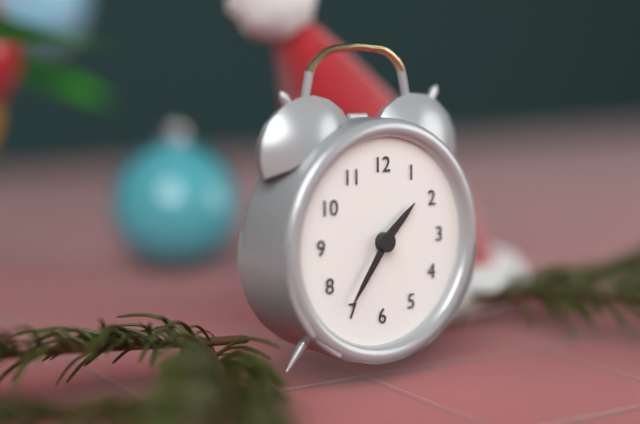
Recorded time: 1:36
